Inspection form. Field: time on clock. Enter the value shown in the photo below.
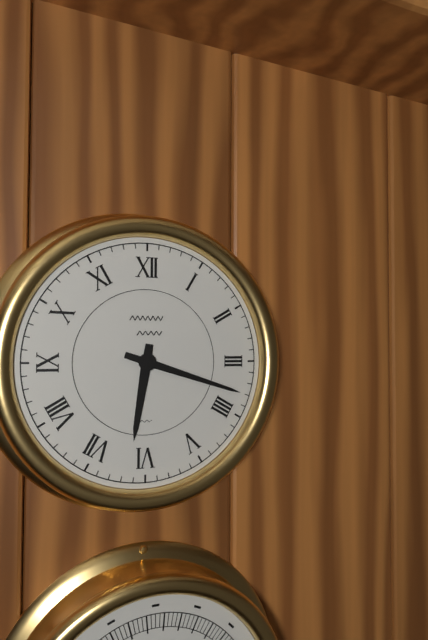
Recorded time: 6:18
